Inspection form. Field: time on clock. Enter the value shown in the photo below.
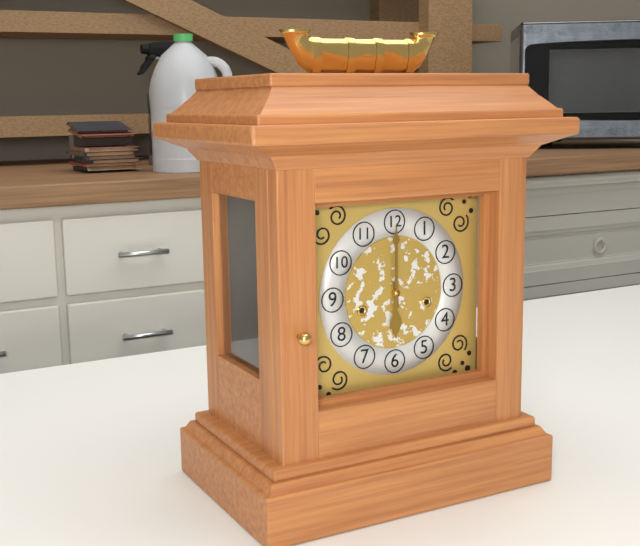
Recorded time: 6:00
